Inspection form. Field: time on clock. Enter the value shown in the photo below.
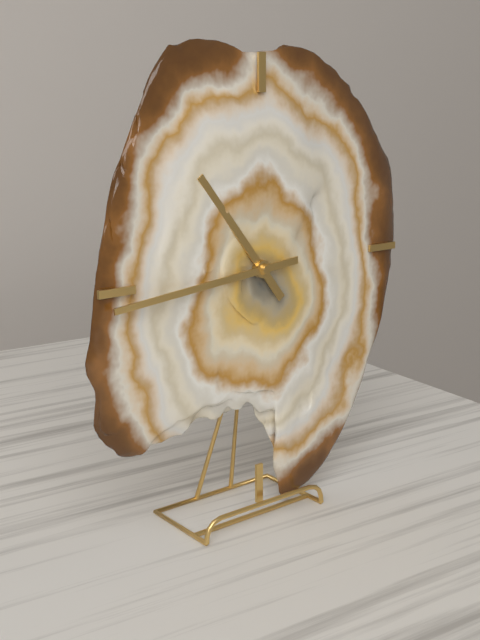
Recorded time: 10:44
